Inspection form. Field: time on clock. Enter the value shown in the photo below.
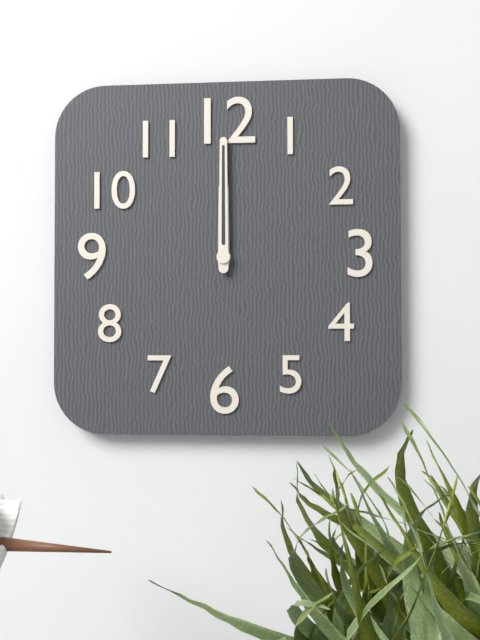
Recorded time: 12:00
